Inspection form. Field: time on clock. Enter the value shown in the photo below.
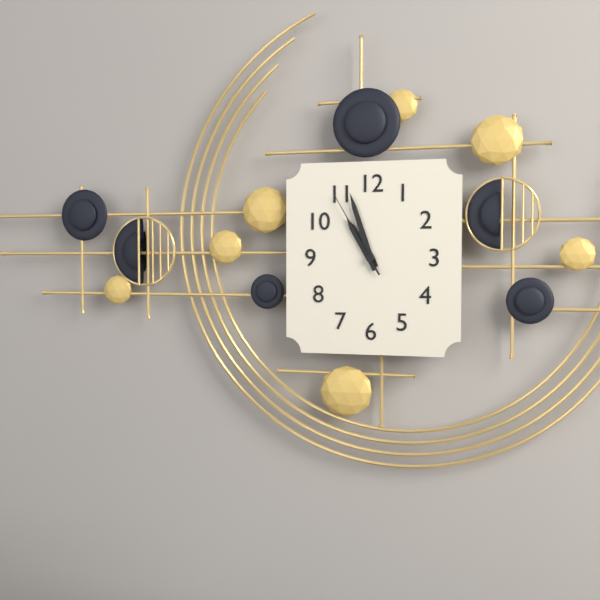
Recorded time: 10:57:55
